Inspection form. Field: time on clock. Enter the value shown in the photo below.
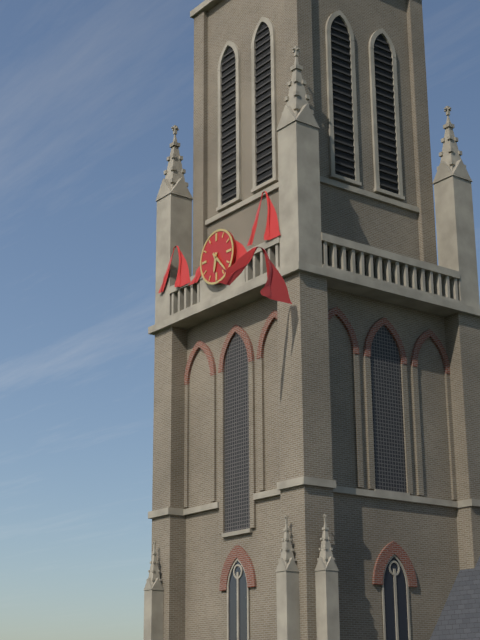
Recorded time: 6:23
